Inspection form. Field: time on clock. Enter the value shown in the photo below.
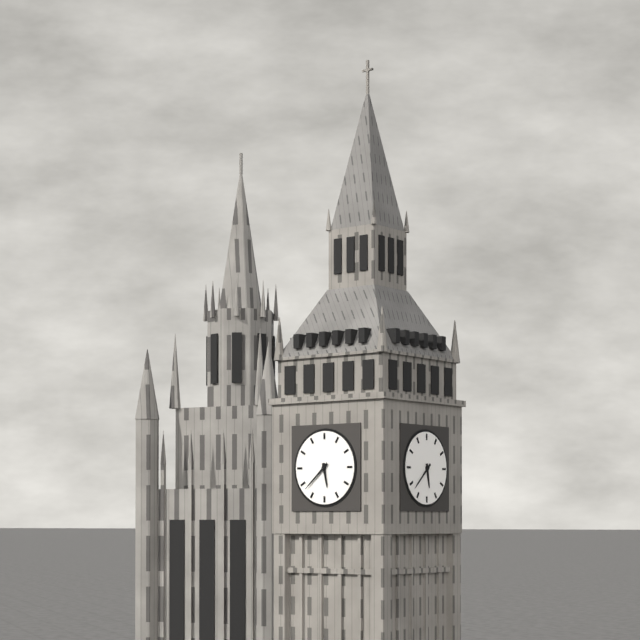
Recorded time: 5:38
